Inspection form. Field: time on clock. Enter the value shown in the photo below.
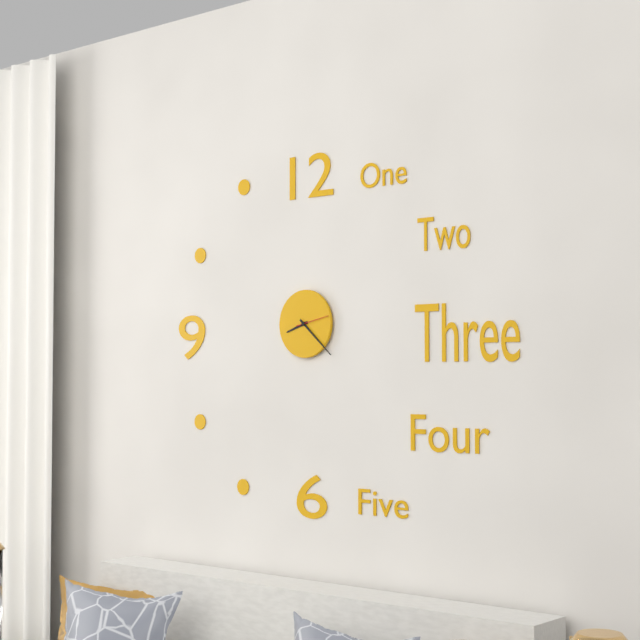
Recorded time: 8:22
